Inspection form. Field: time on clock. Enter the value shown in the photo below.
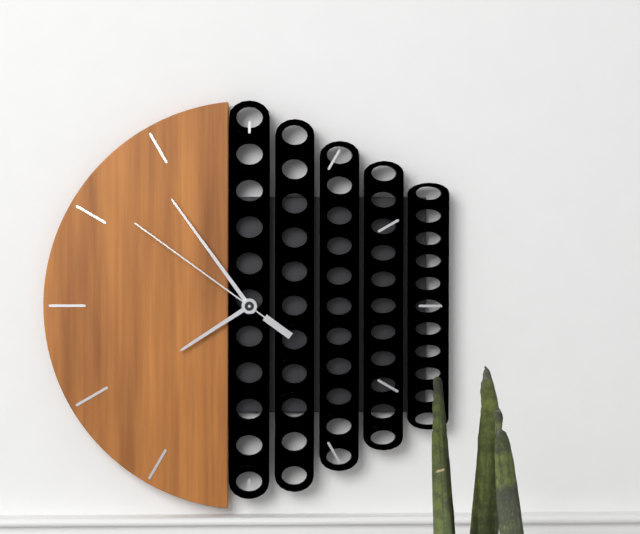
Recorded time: 7:54:51
